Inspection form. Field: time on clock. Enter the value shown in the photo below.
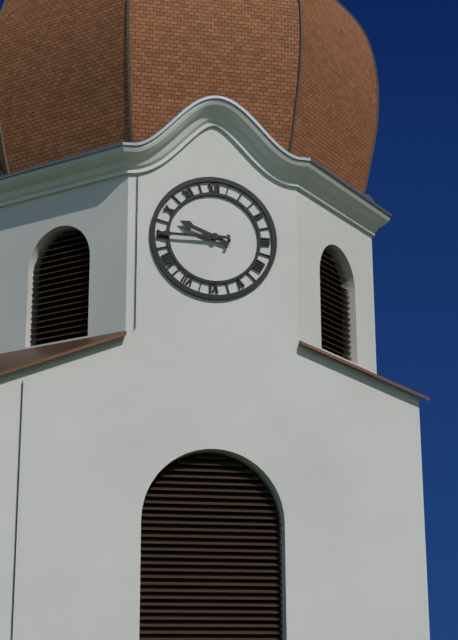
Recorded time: 9:45
